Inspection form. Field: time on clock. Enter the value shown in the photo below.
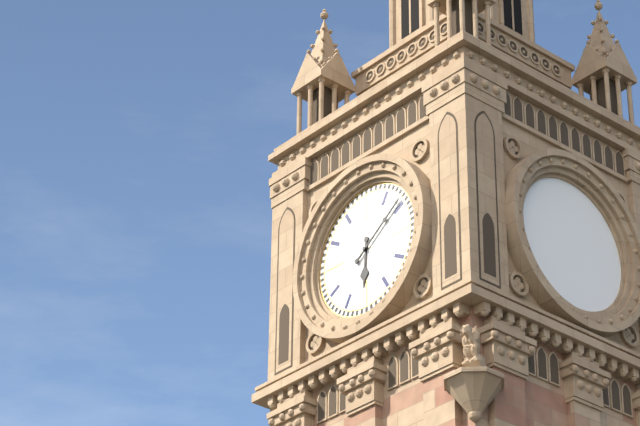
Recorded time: 6:09
